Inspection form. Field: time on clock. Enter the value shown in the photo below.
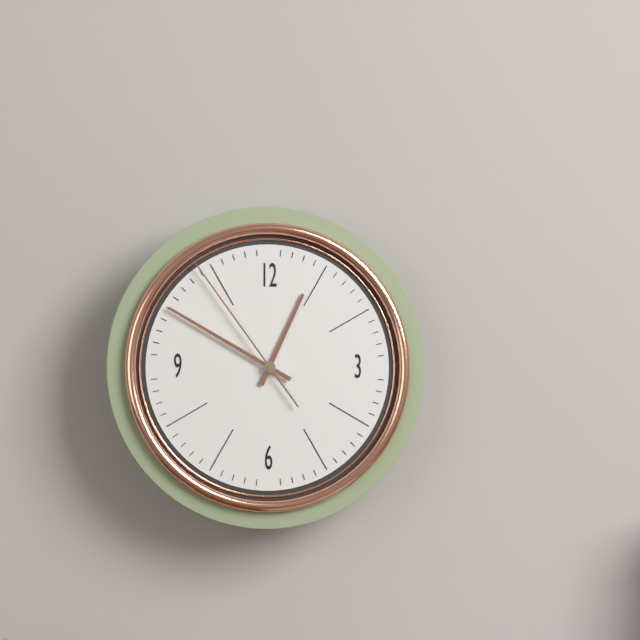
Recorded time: 12:50:54
